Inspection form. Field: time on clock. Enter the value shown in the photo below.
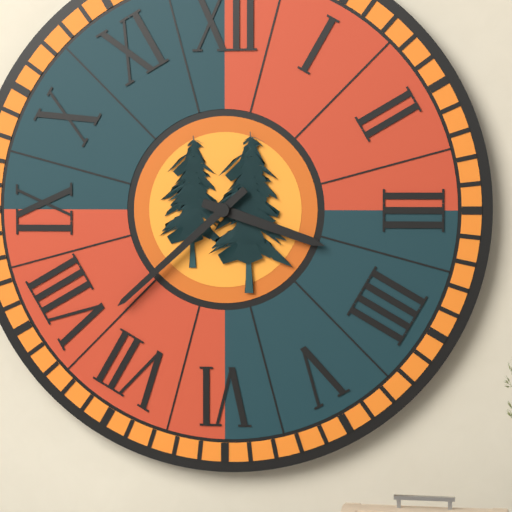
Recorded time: 3:38
